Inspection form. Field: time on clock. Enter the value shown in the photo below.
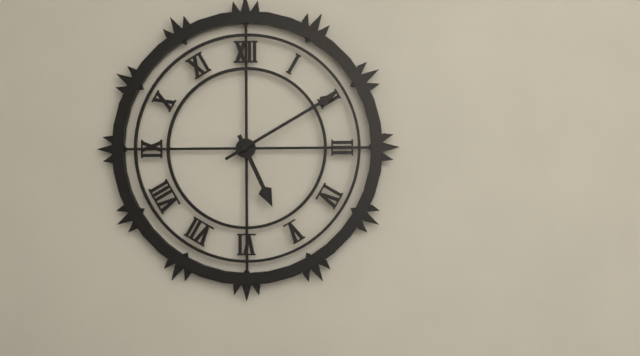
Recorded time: 5:10
